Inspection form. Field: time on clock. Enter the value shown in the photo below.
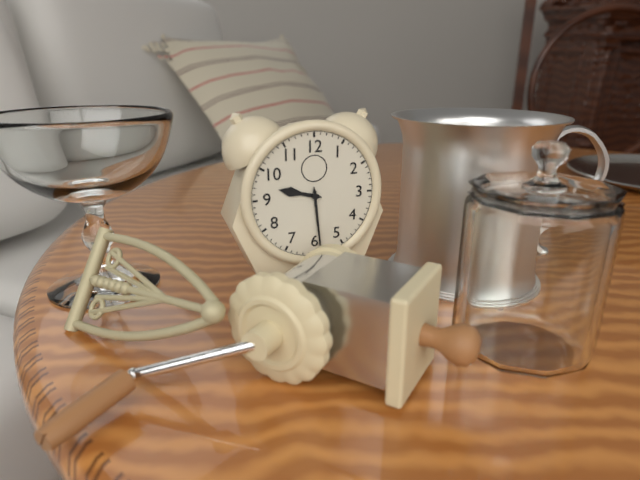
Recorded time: 9:29
